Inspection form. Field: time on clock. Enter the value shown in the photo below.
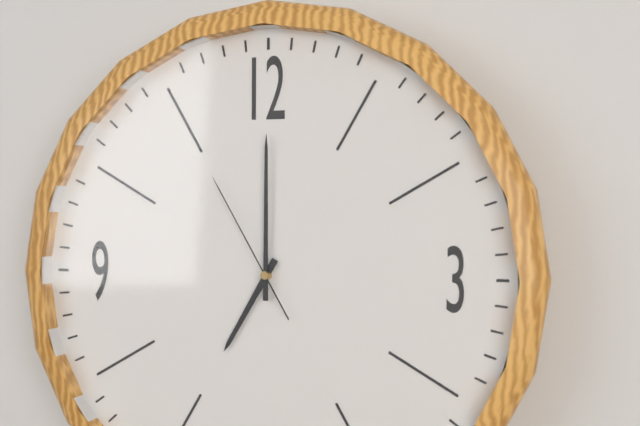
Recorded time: 7:00:55
